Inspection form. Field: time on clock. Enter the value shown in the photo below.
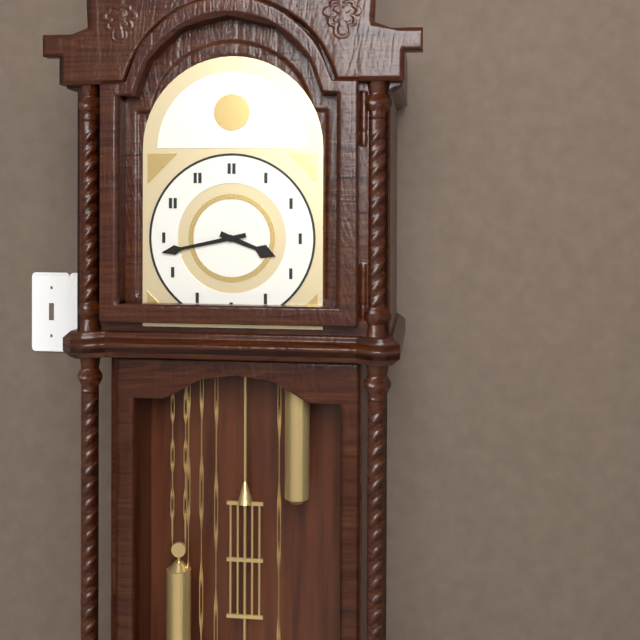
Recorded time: 3:43
